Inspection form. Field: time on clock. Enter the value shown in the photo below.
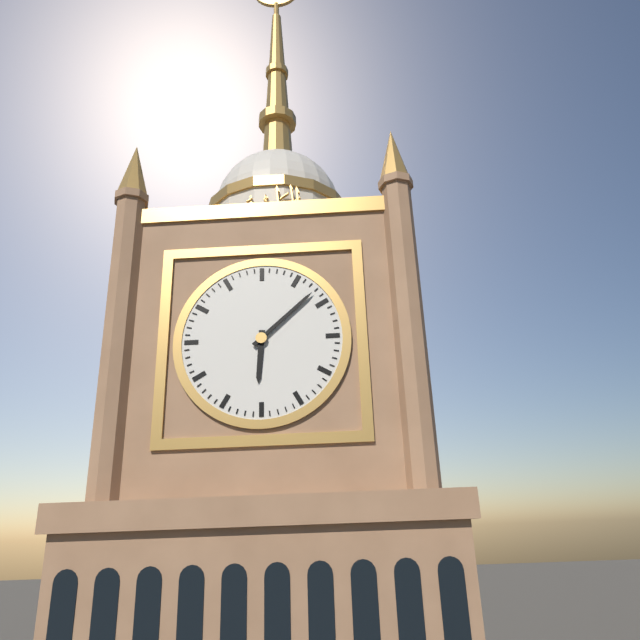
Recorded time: 6:08
